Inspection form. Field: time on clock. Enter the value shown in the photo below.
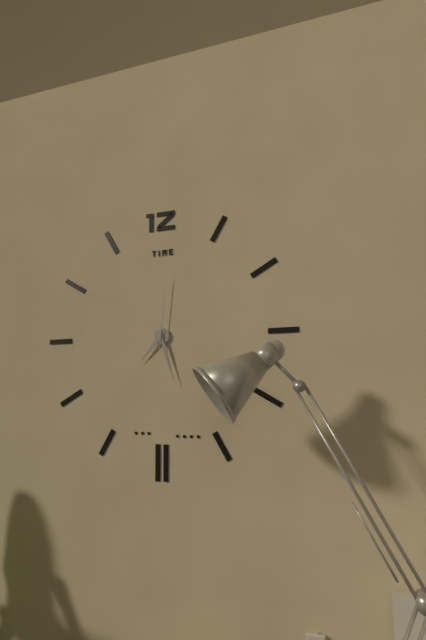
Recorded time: 7:27:01
